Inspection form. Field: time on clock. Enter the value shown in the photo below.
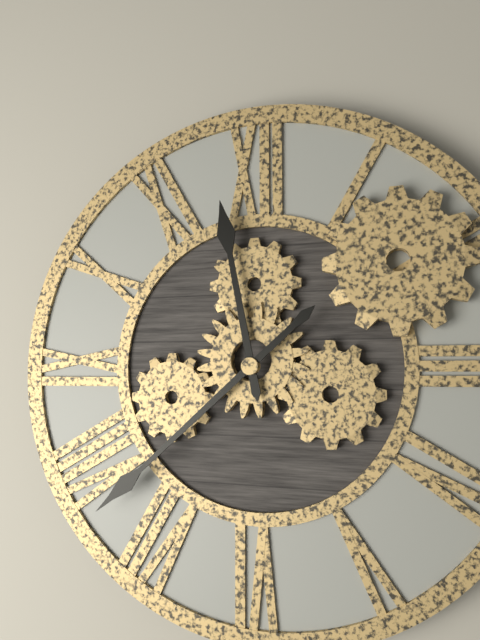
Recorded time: 11:38
